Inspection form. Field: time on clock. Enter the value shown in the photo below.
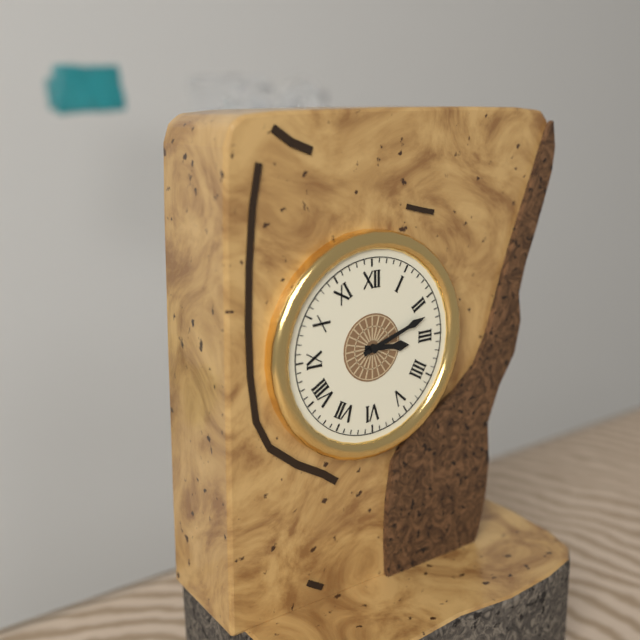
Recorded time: 3:12
